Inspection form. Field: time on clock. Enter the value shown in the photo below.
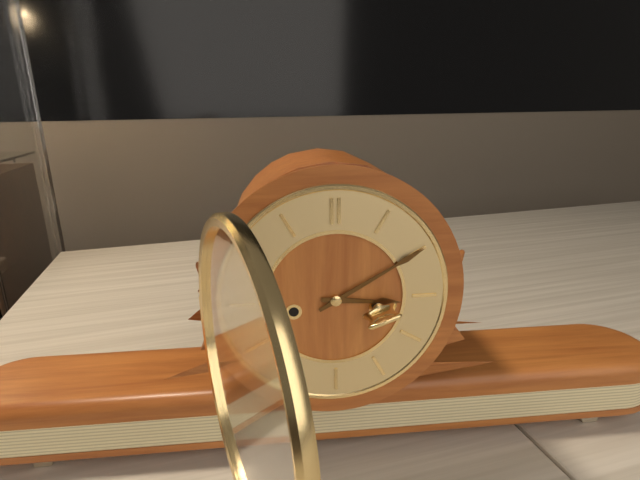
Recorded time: 3:10
